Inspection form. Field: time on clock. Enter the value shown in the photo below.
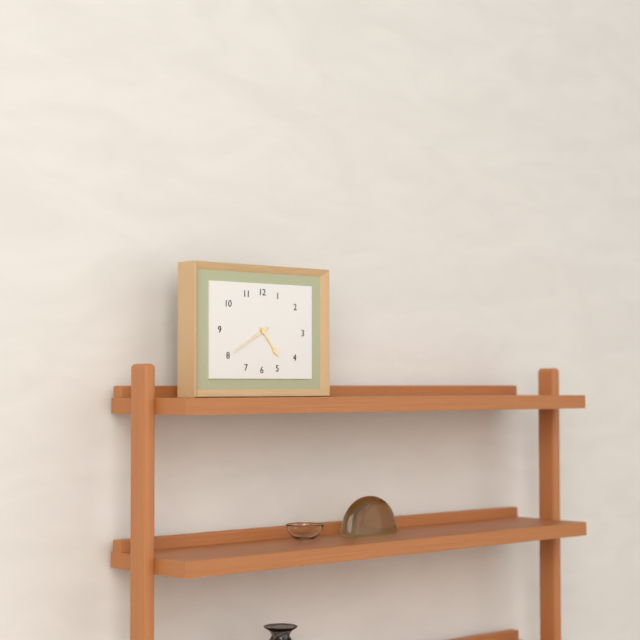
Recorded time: 4:40
